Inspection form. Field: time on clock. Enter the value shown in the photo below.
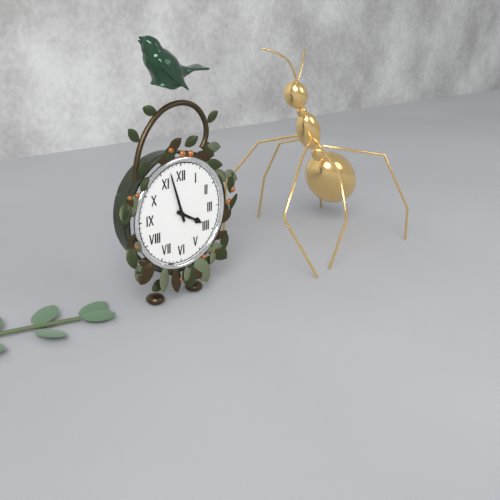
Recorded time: 3:57
